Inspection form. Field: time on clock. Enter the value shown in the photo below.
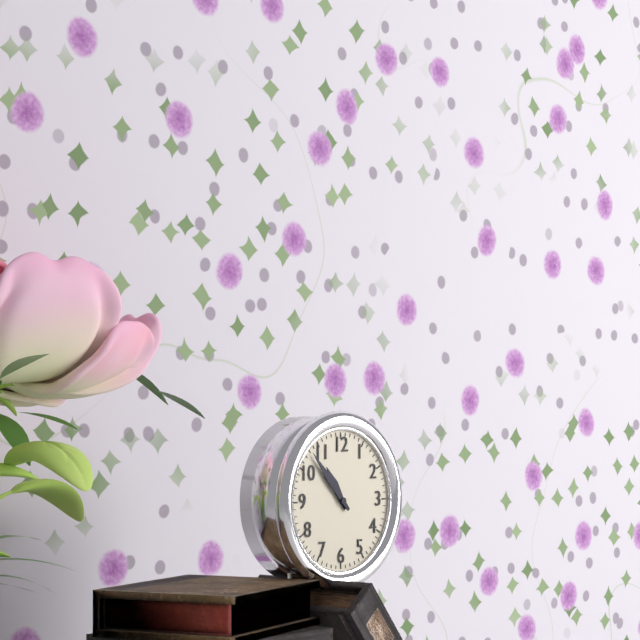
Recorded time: 10:53
